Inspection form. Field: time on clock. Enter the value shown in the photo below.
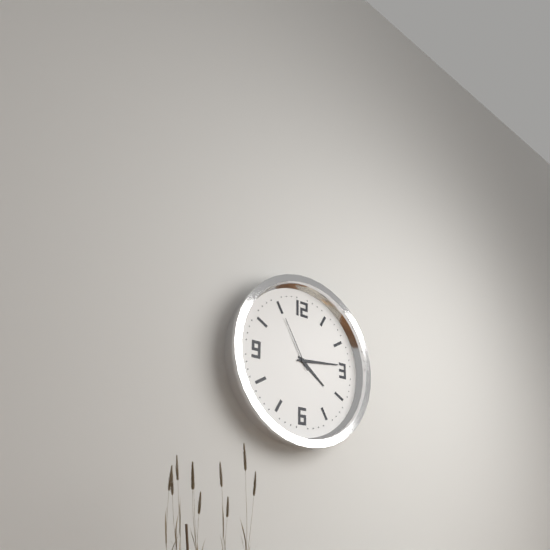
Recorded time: 4:14:55
